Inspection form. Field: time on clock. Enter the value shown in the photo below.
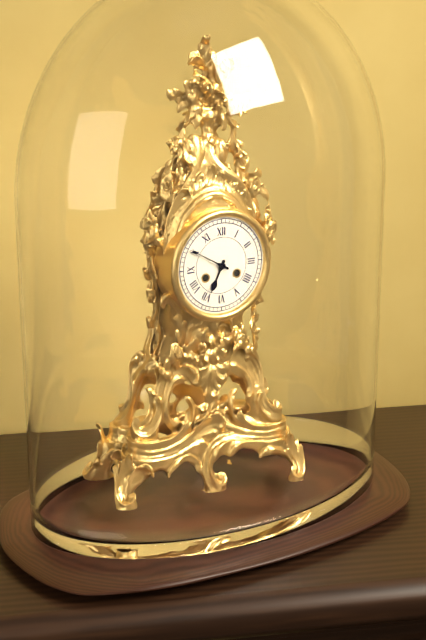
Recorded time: 6:50
